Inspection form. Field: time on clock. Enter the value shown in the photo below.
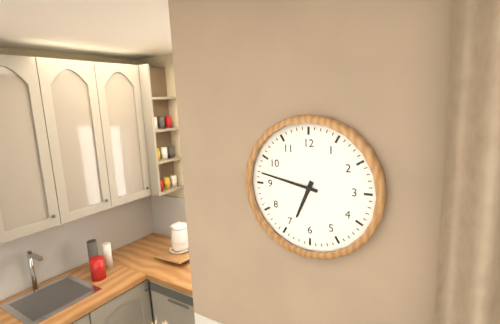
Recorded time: 6:47
